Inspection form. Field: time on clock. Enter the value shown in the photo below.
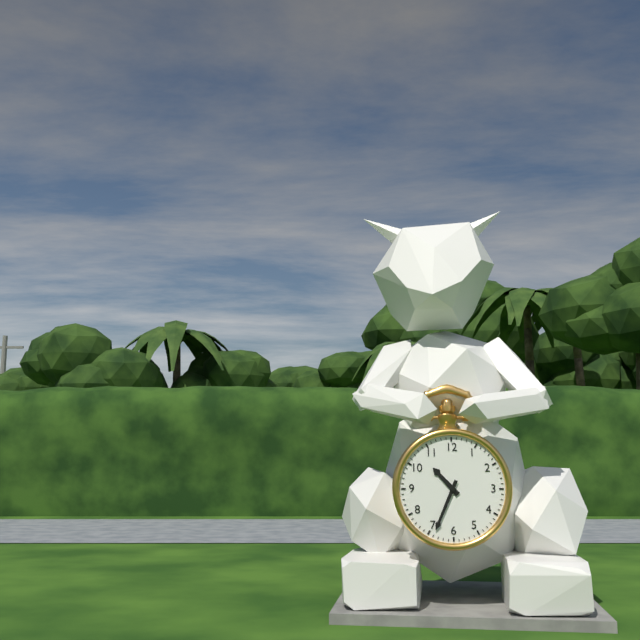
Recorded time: 10:34
